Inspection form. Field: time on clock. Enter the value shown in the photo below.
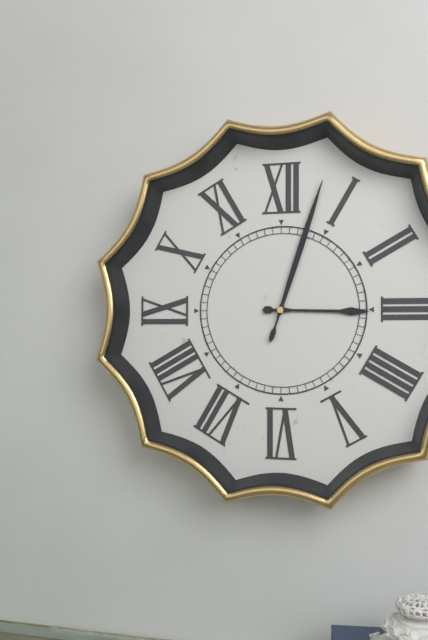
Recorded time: 3:03
